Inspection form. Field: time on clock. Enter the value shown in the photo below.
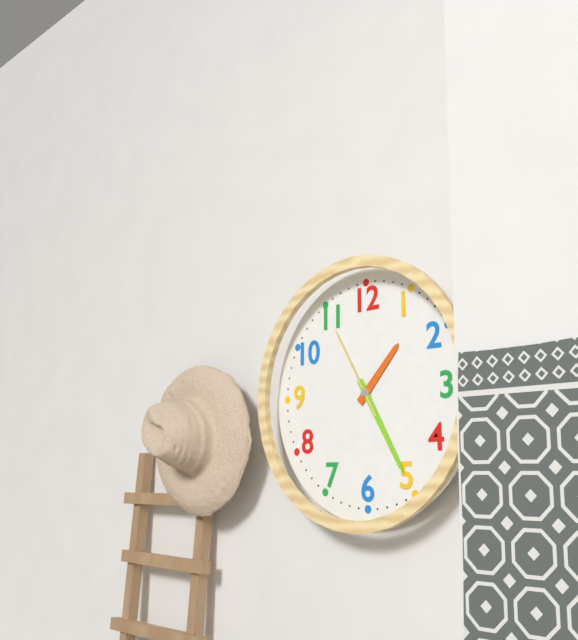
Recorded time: 1:25:55
